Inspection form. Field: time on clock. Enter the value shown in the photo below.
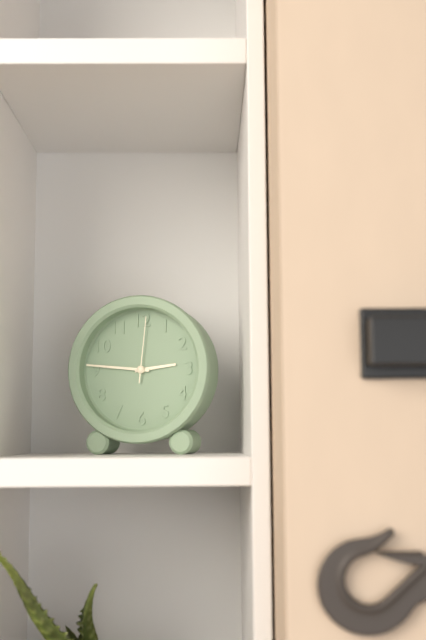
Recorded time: 2:46:01
